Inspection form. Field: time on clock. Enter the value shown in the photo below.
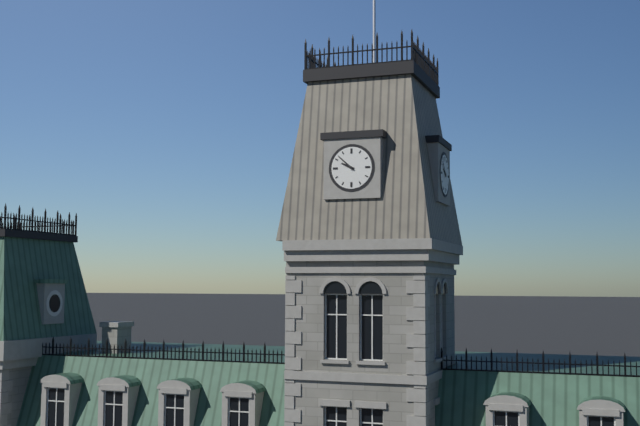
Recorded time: 9:52
